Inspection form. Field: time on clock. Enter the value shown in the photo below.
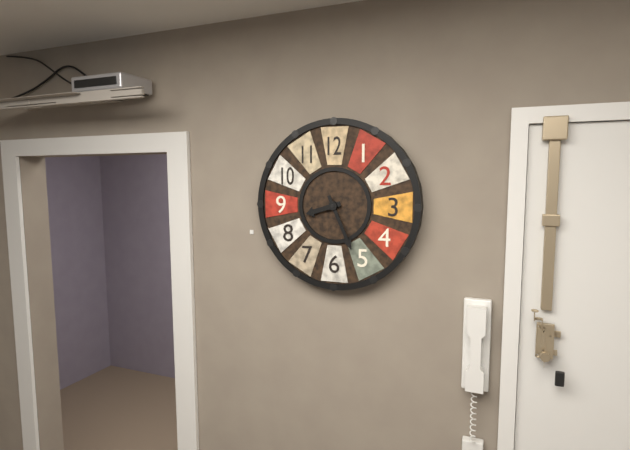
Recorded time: 8:26
